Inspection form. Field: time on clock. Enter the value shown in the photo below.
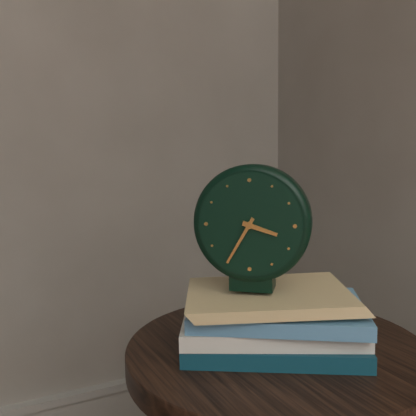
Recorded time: 3:35
